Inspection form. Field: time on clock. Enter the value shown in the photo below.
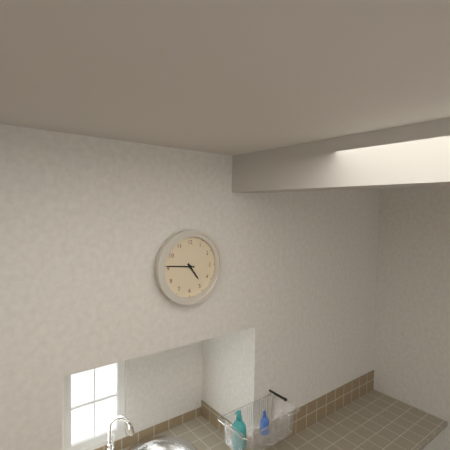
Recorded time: 4:46
